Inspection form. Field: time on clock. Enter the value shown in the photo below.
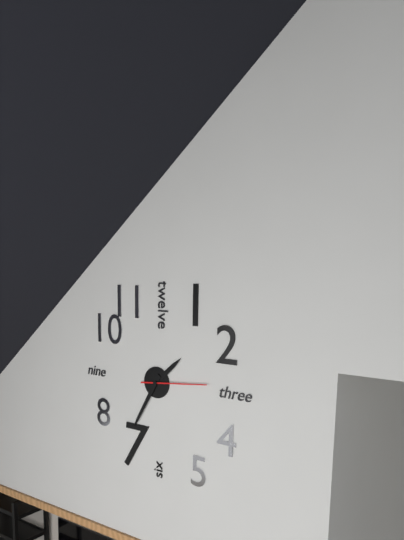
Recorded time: 1:35:14
